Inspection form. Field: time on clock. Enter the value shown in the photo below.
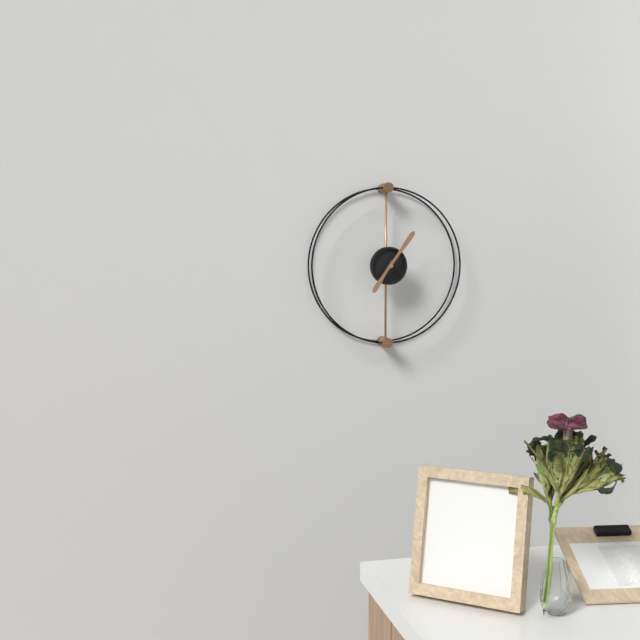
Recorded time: 7:06
